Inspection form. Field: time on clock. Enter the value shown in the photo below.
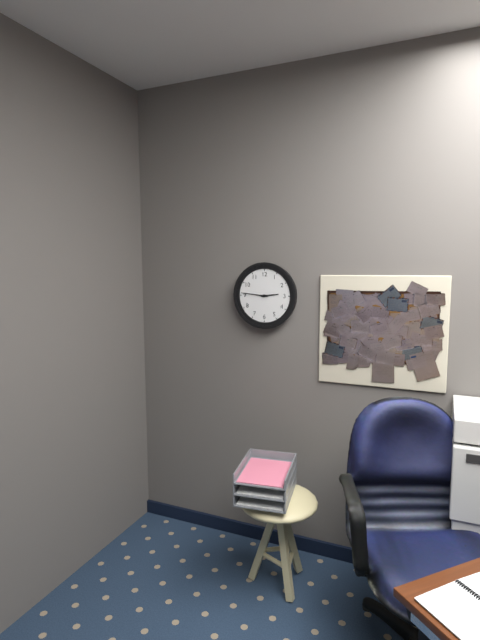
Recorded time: 2:46
